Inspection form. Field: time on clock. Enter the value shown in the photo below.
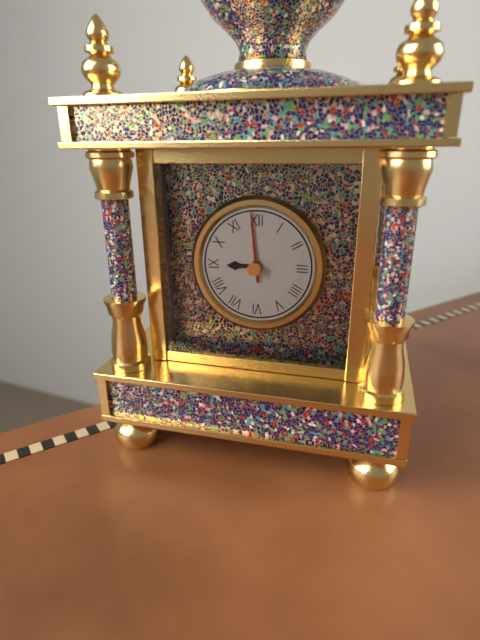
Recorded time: 8:59
